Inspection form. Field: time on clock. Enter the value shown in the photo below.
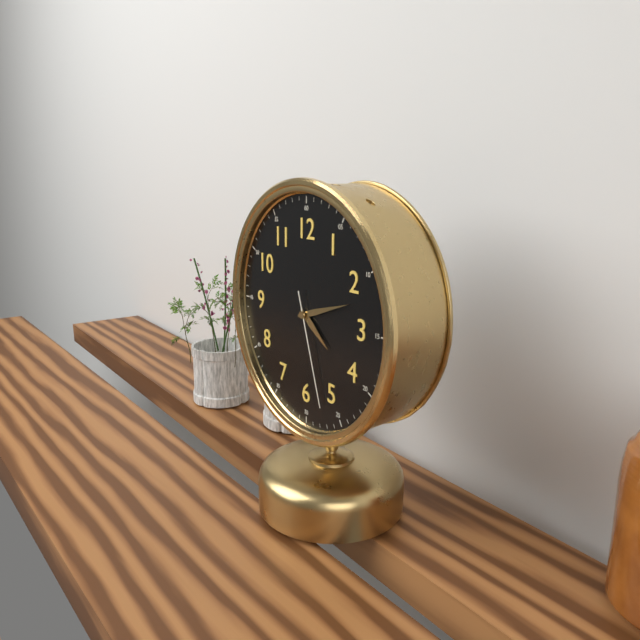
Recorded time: 4:12:27
